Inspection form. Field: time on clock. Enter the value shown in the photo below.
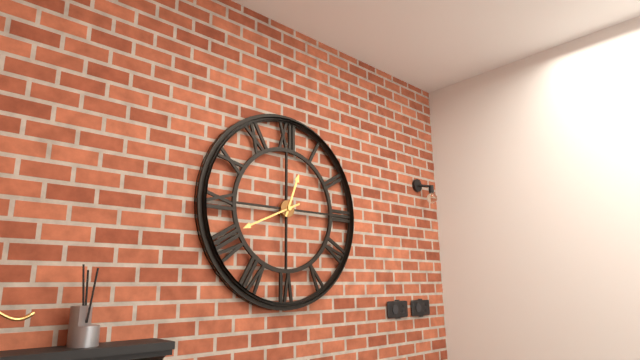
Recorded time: 12:41
